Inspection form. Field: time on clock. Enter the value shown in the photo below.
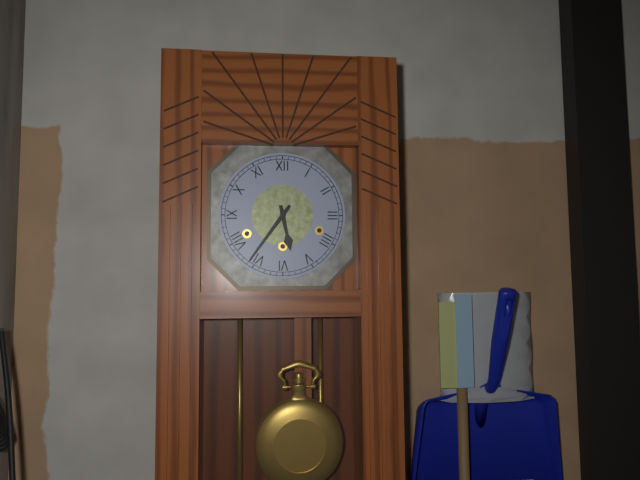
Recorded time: 5:36
